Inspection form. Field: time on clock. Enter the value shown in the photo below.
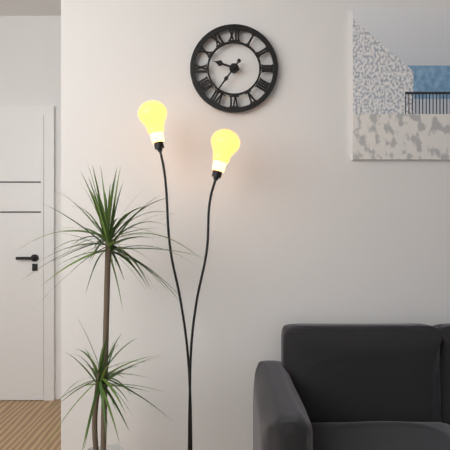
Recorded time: 9:36
